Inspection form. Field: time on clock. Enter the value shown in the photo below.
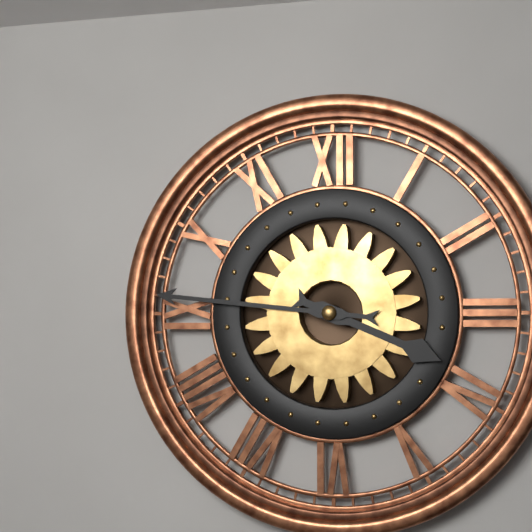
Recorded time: 3:46
